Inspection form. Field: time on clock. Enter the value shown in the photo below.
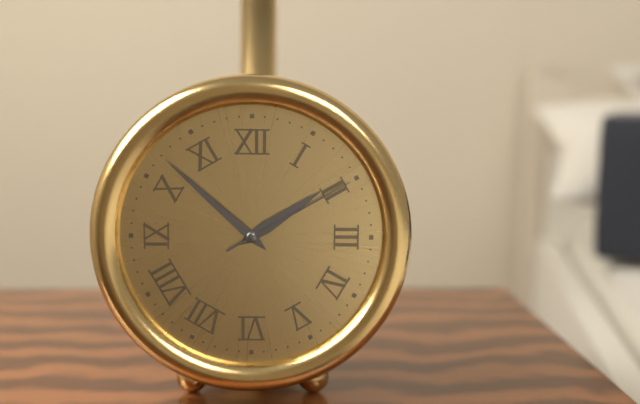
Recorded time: 1:52:10
